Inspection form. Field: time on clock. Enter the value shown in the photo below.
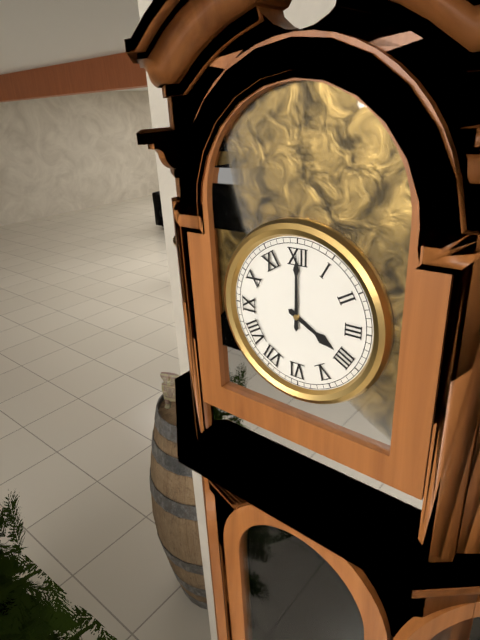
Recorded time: 4:00
